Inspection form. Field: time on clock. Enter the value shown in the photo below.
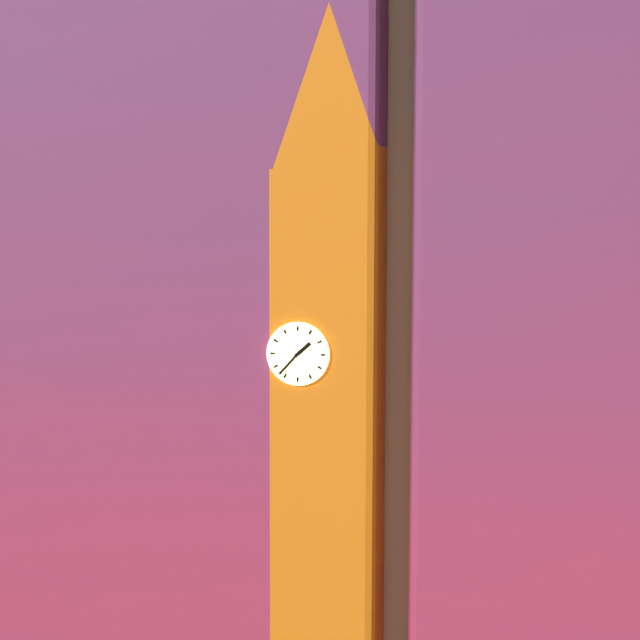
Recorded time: 1:37
